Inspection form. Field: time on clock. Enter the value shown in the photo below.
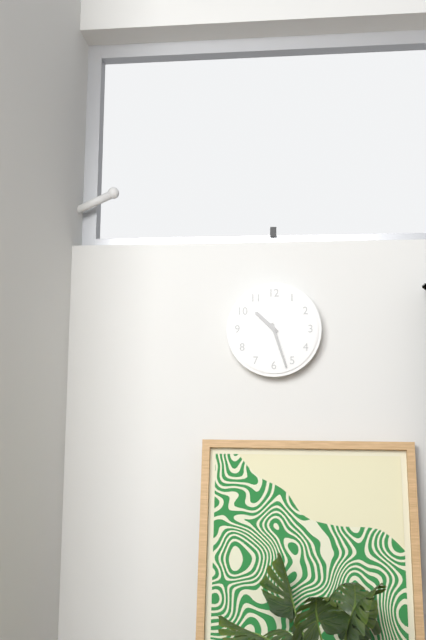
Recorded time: 10:27
